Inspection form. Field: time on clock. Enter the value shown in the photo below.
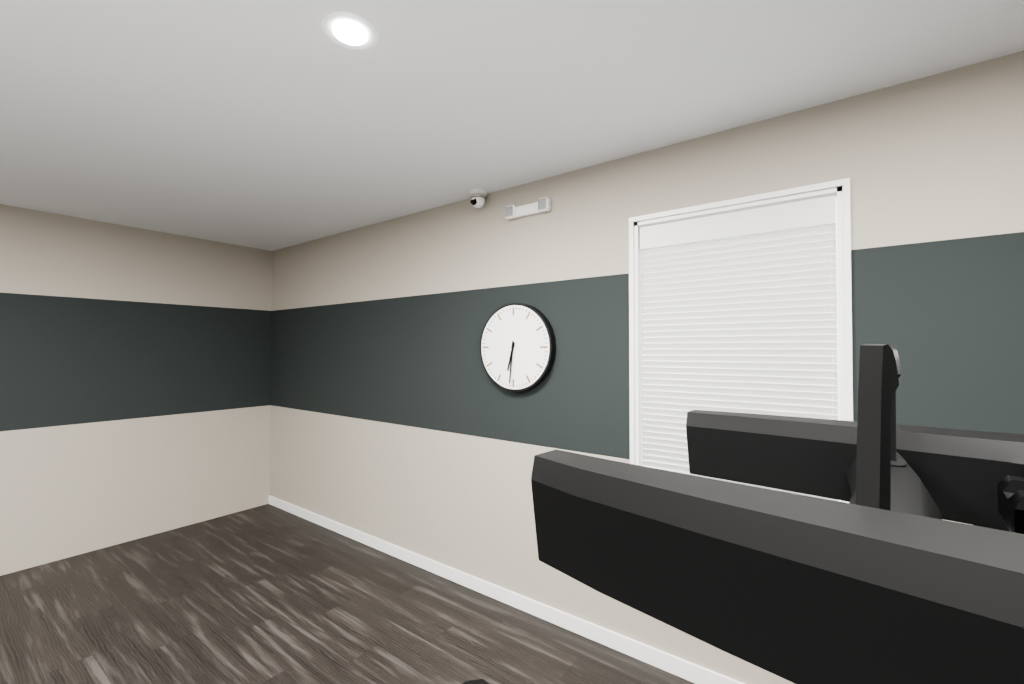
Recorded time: 6:31
